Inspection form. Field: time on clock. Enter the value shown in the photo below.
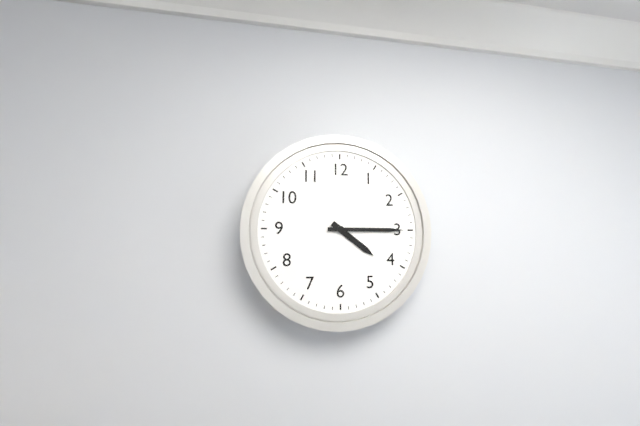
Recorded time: 4:15
